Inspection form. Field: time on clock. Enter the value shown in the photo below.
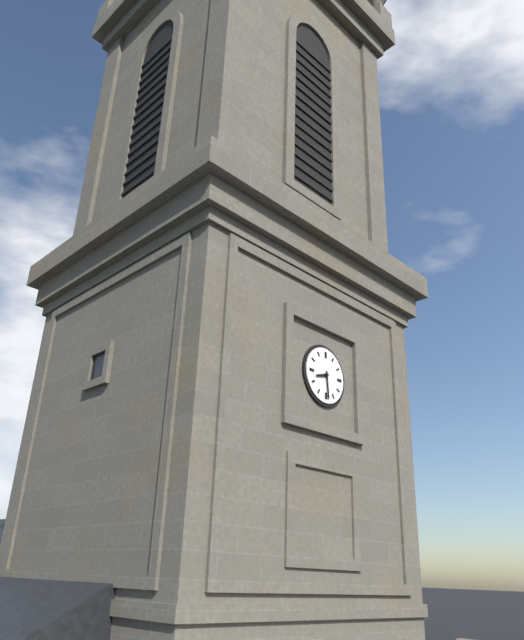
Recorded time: 8:29
